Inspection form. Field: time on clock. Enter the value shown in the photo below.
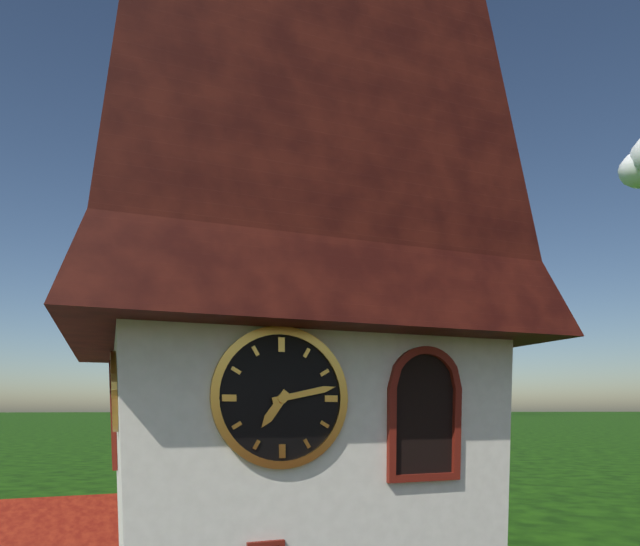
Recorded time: 7:13
